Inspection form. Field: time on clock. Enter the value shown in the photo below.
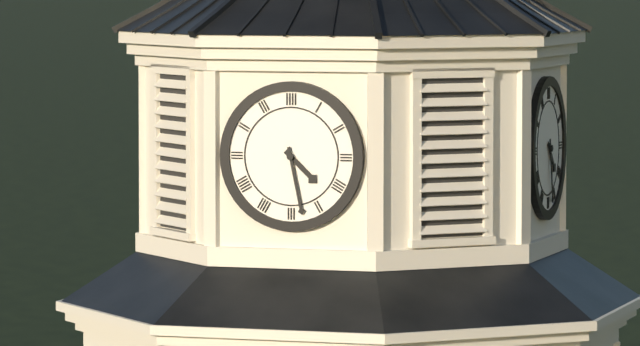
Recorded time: 4:28
